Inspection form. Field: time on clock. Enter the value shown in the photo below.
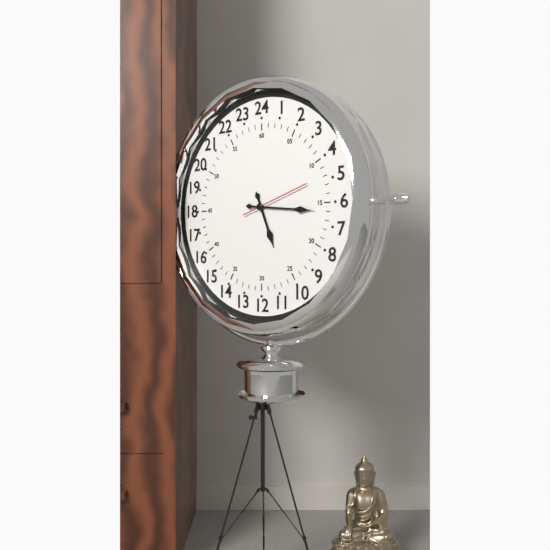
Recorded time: 5:16:12
